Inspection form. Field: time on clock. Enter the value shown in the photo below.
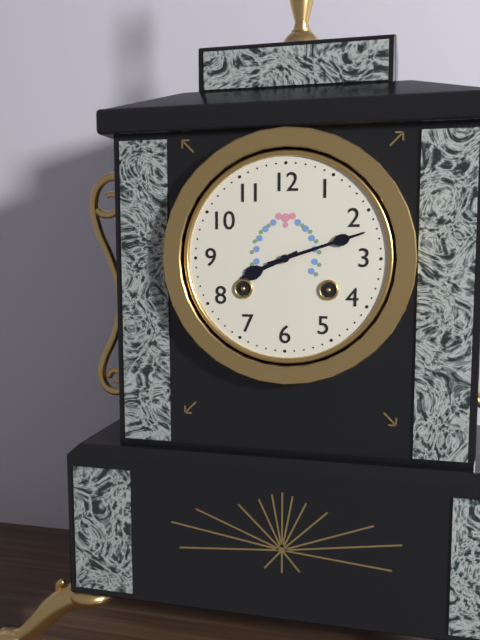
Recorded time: 8:12
